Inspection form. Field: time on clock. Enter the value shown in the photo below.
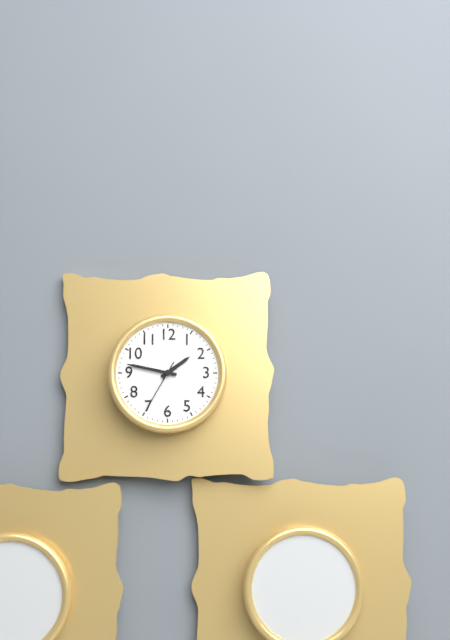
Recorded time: 1:47:35
